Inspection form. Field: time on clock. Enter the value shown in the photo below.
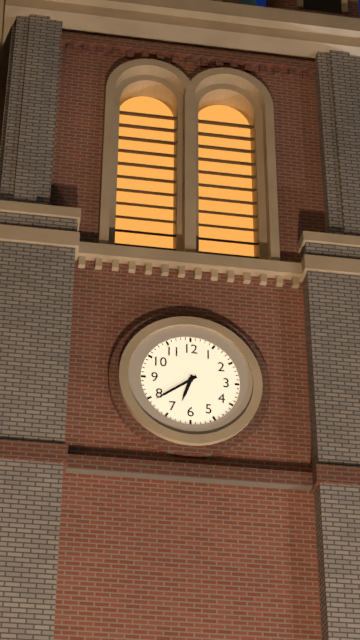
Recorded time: 6:39
